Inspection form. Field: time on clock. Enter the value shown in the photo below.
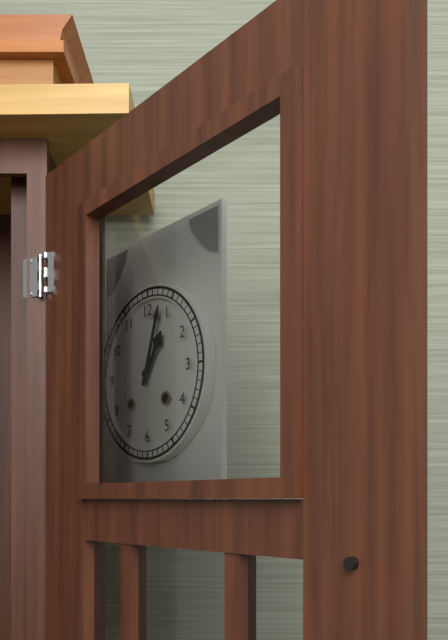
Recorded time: 1:03
